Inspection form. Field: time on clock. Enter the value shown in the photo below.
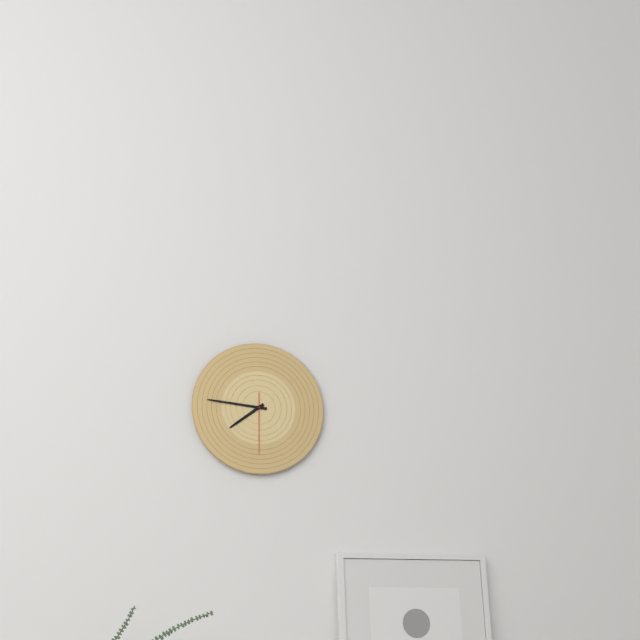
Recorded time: 7:46:30
